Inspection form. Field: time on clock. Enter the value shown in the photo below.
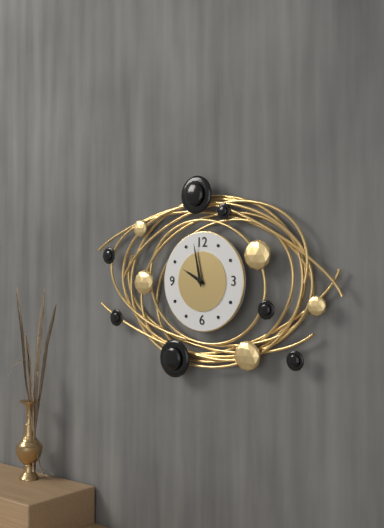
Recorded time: 9:58
